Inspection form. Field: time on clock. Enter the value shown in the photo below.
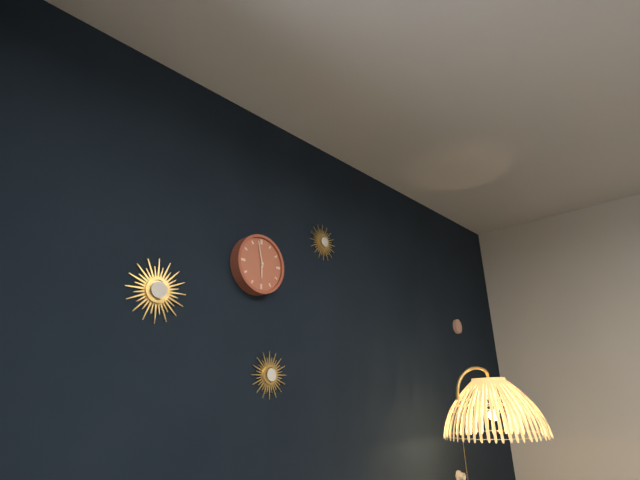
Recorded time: 5:58
